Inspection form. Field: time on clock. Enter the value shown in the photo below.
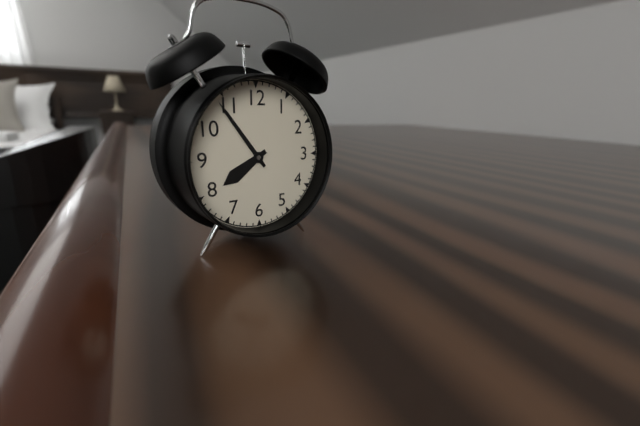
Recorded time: 7:54
